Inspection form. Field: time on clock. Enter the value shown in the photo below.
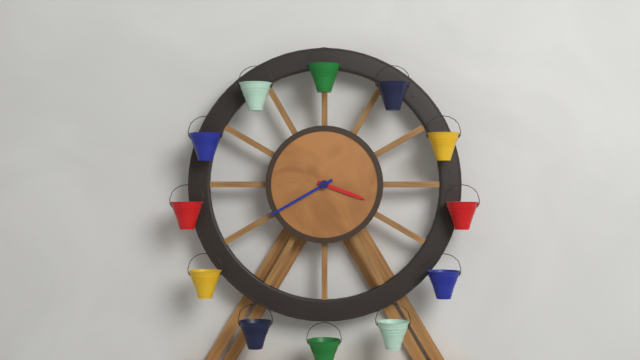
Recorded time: 3:40
